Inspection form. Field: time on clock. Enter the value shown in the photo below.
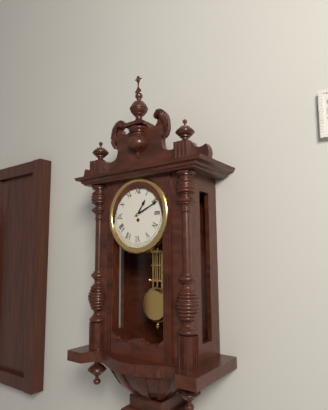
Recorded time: 1:11
